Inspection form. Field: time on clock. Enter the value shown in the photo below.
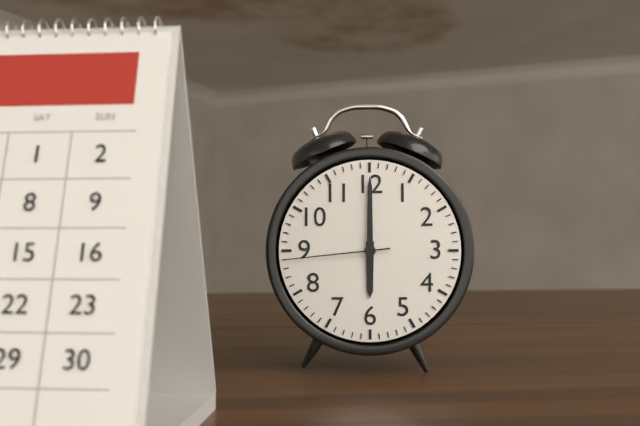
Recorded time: 6:00:44
